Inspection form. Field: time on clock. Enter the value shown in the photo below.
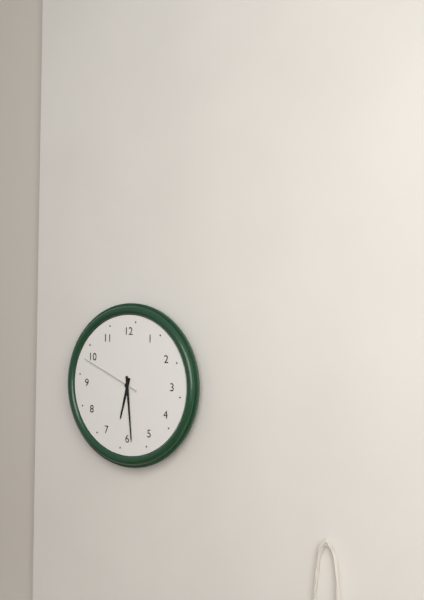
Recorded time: 6:29:49
